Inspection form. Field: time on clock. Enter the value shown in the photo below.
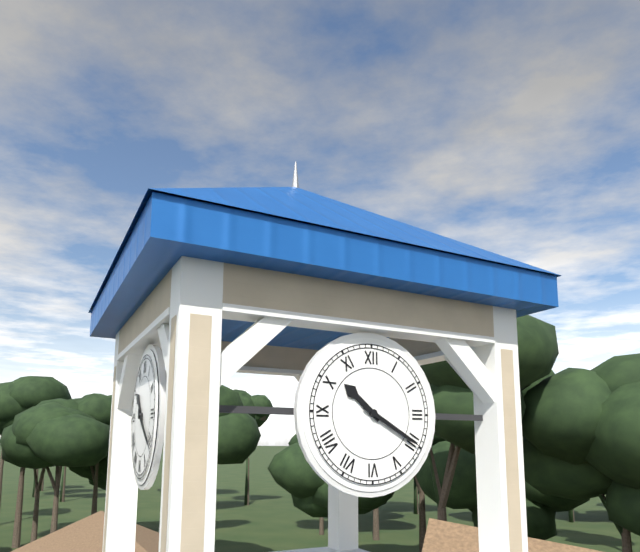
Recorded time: 10:20
